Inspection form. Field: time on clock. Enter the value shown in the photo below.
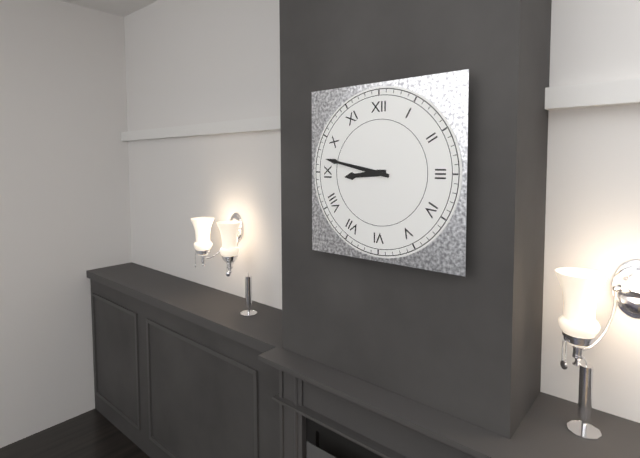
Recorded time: 8:47
